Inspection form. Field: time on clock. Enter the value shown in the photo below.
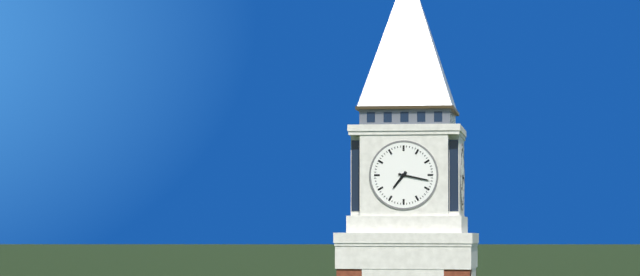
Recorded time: 7:17
